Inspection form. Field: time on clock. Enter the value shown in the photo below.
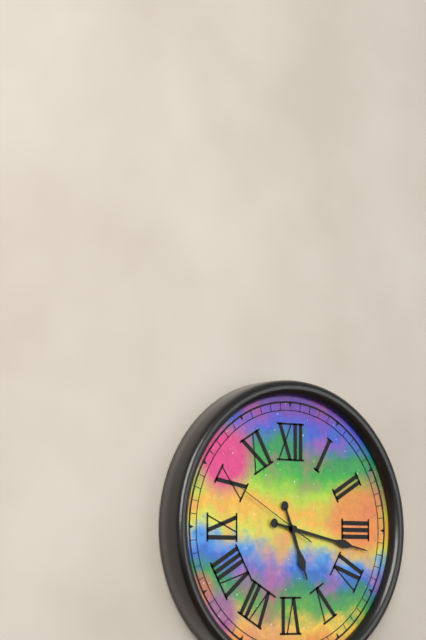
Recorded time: 5:17:50
